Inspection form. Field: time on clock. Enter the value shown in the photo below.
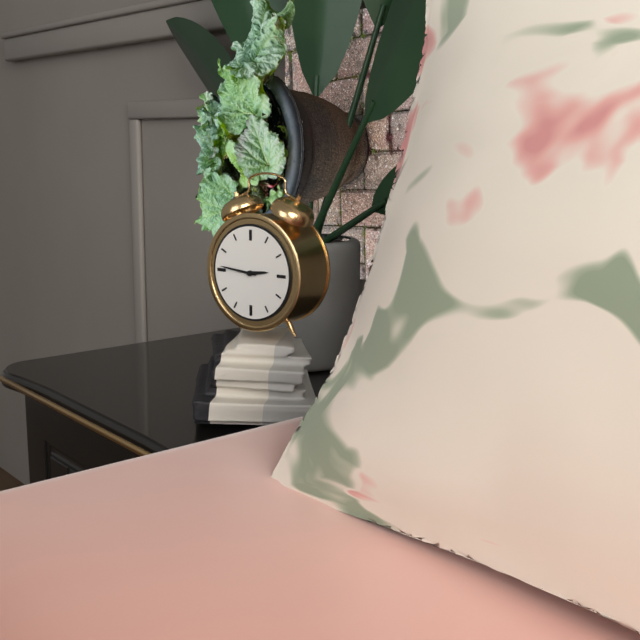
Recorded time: 2:46
